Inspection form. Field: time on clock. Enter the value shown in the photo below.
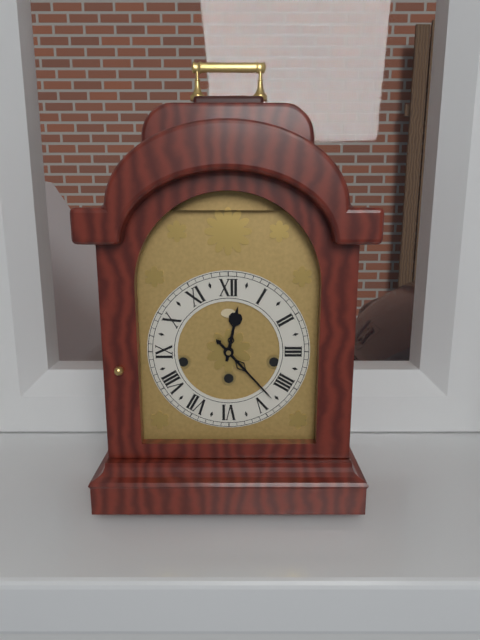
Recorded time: 12:23
